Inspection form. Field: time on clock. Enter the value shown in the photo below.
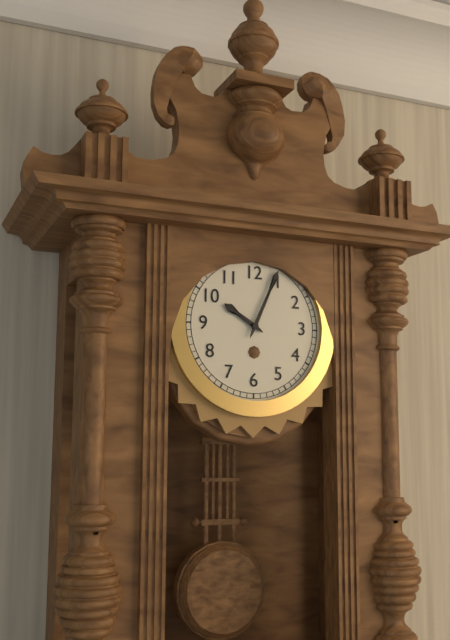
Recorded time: 10:04
